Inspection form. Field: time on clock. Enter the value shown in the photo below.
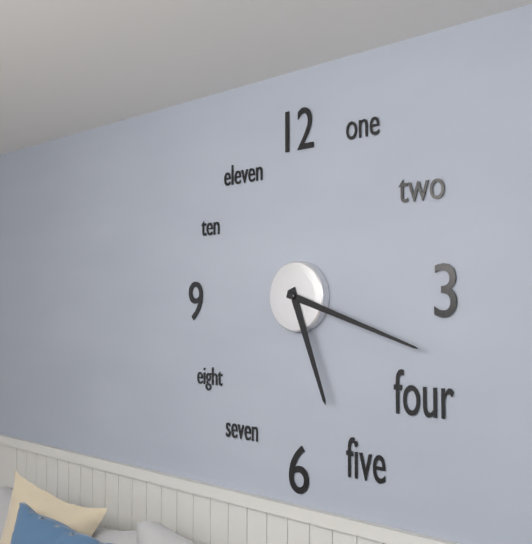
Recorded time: 5:18
